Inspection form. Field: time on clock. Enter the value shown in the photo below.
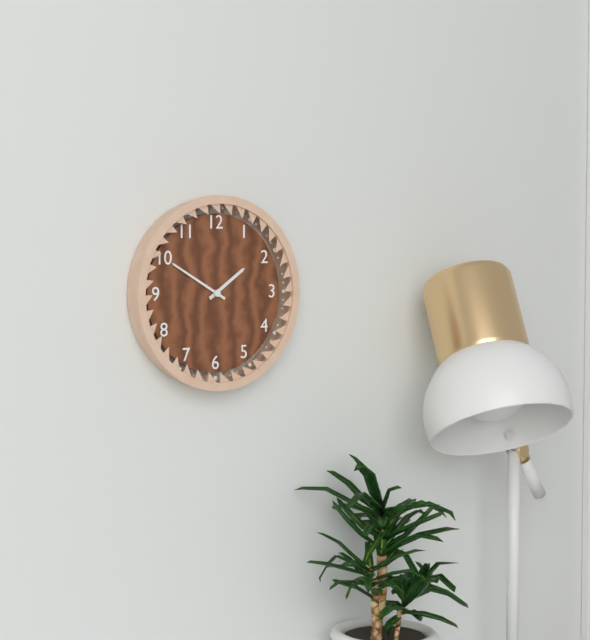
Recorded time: 1:50
